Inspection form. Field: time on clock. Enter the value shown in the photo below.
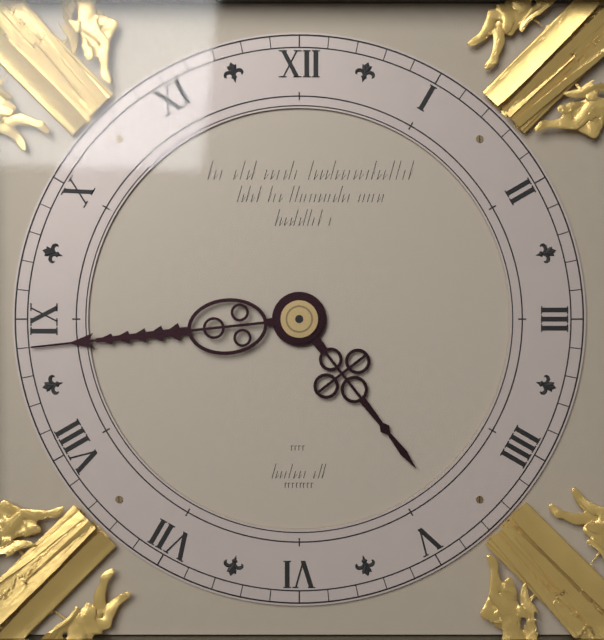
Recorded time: 4:44
